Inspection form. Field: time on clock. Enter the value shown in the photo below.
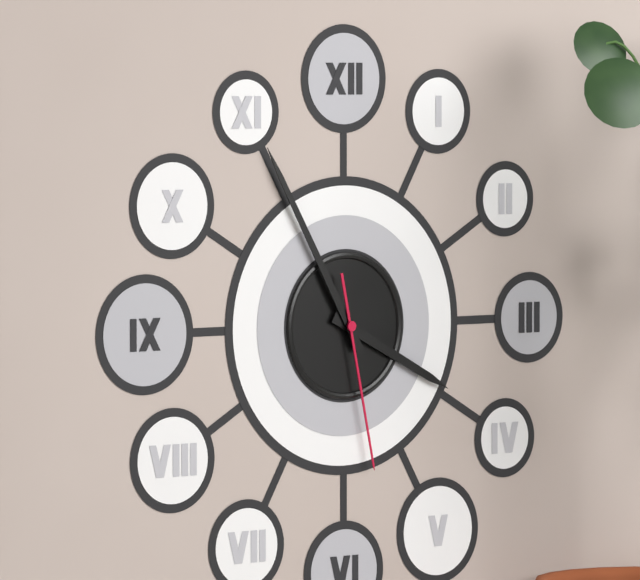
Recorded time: 3:55:28
